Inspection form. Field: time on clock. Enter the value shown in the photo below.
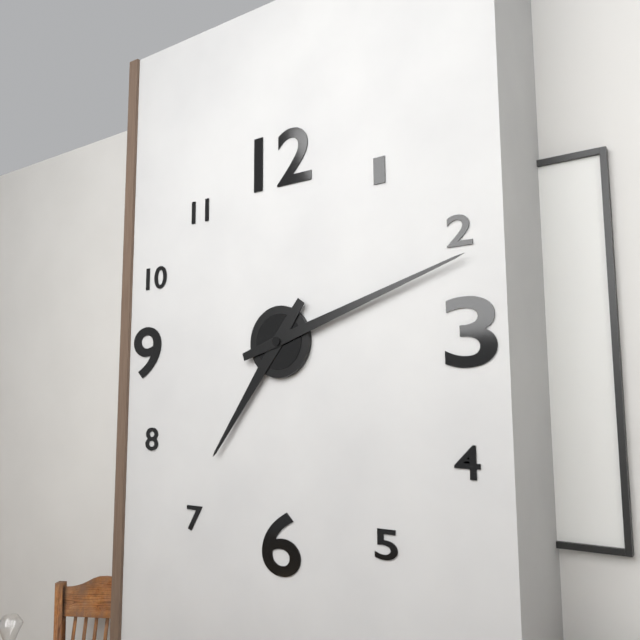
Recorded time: 7:12
